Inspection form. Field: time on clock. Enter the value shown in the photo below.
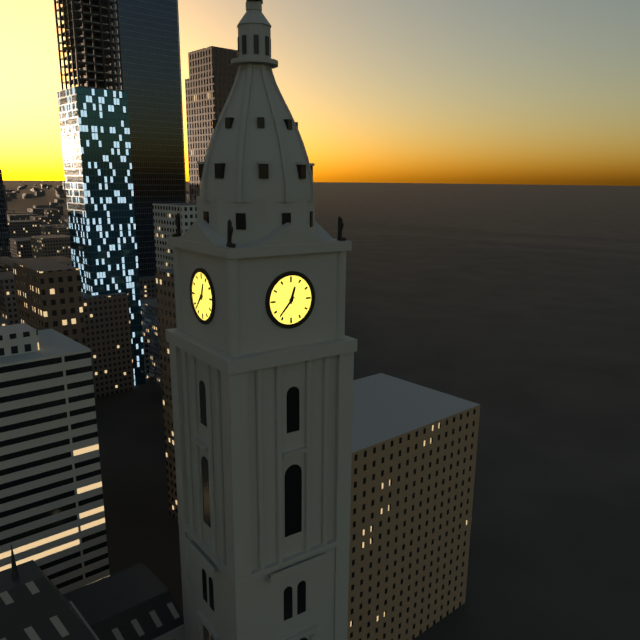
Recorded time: 12:37
